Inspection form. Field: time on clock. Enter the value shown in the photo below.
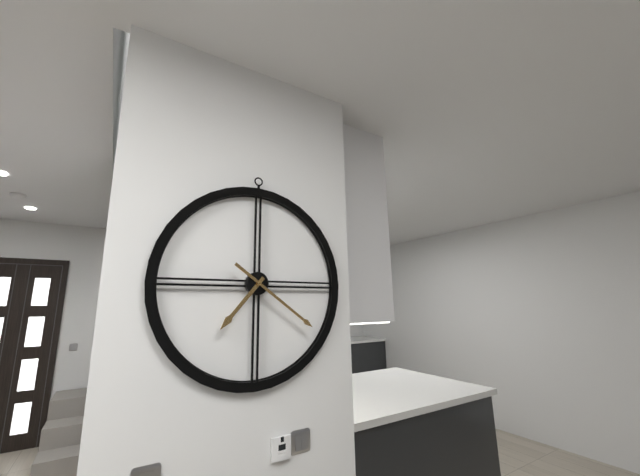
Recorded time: 7:21
